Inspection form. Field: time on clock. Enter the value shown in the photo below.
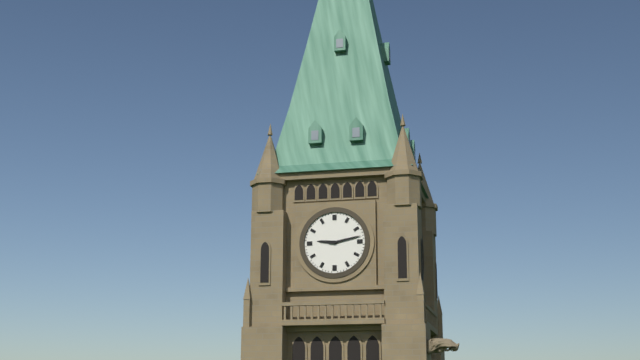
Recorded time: 9:13
